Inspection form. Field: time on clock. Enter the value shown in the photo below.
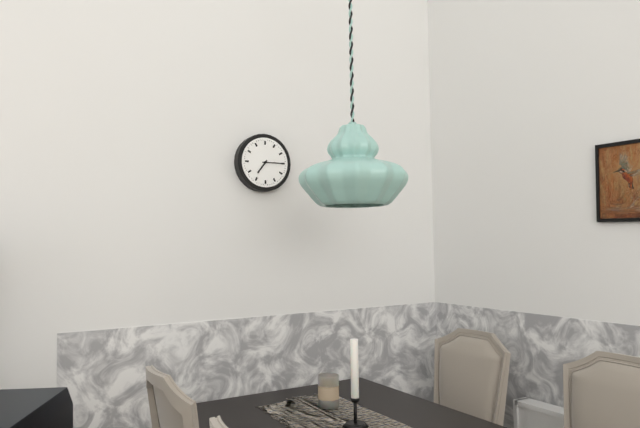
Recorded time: 7:15
